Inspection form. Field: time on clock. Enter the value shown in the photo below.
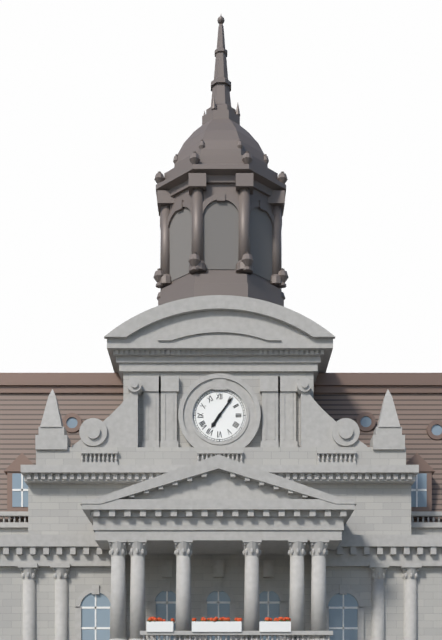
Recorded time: 7:06
